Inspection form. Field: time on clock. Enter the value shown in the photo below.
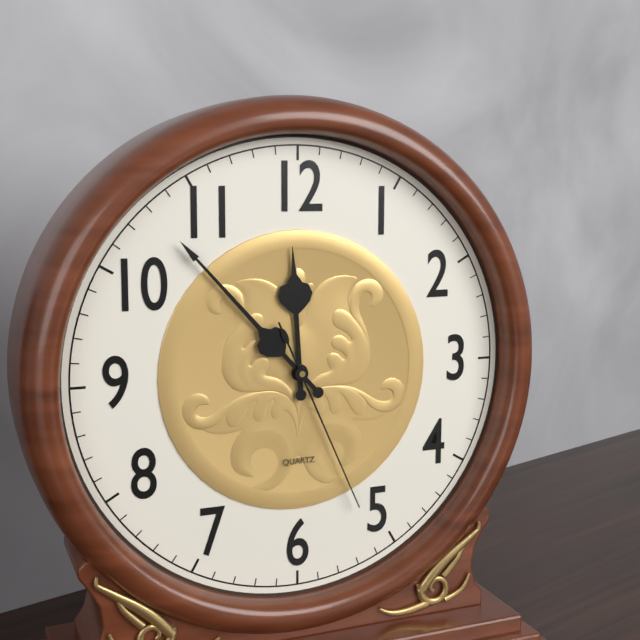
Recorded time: 11:53:26
